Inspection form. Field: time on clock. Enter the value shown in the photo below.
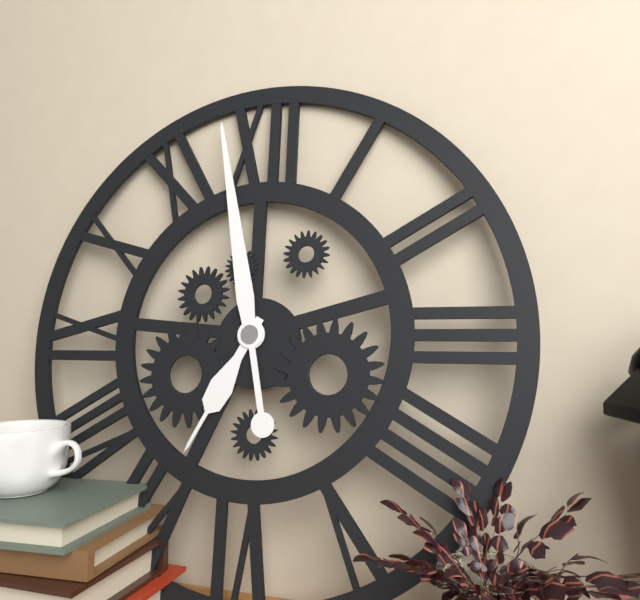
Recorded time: 6:58
